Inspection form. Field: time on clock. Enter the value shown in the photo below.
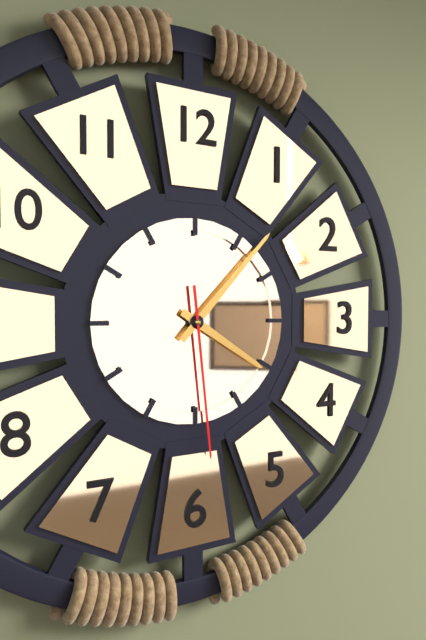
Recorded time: 4:07:29
